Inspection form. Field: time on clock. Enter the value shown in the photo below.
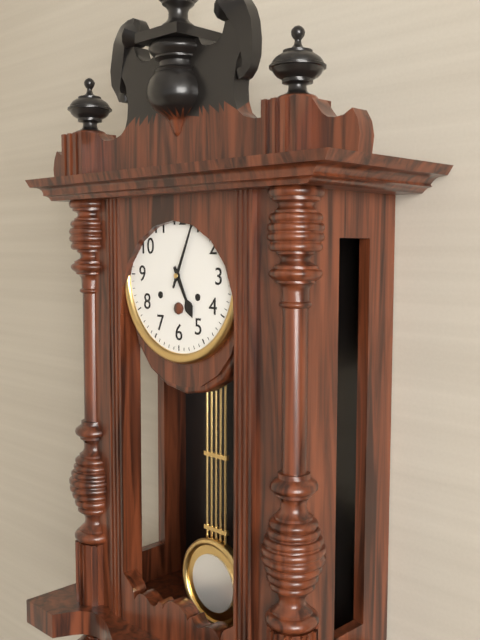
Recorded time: 5:04
